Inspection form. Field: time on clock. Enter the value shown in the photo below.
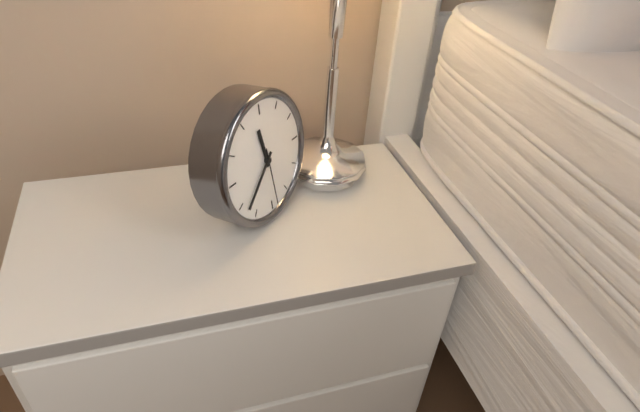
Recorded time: 11:38:29
